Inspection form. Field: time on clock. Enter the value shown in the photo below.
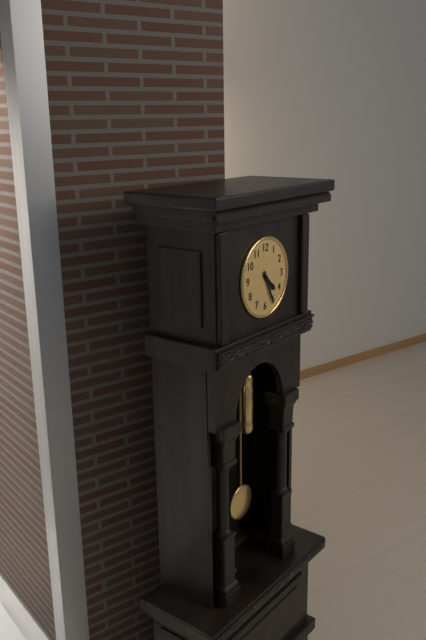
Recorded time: 4:26
